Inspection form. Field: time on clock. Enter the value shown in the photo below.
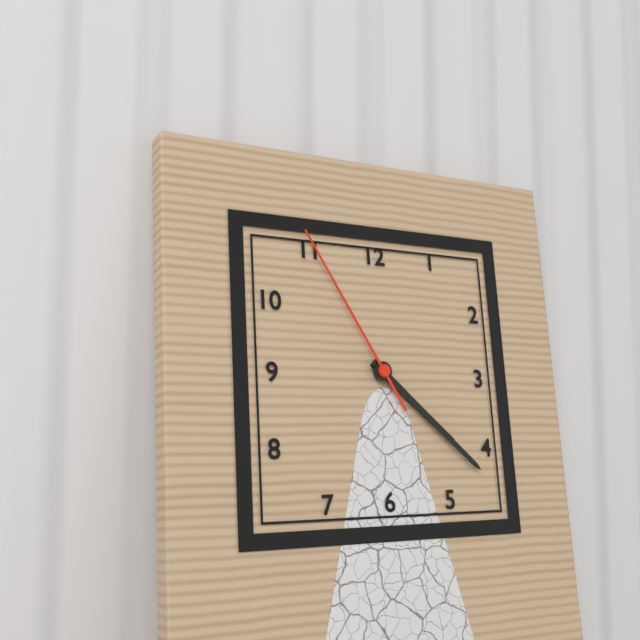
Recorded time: 4:22:55
